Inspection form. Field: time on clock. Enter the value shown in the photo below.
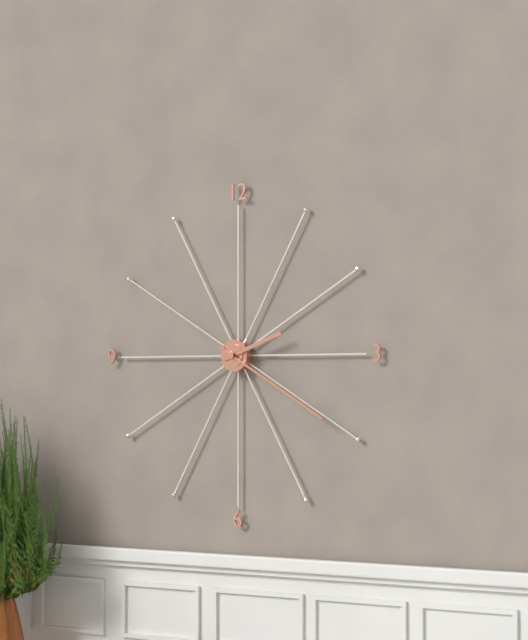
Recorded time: 2:20
